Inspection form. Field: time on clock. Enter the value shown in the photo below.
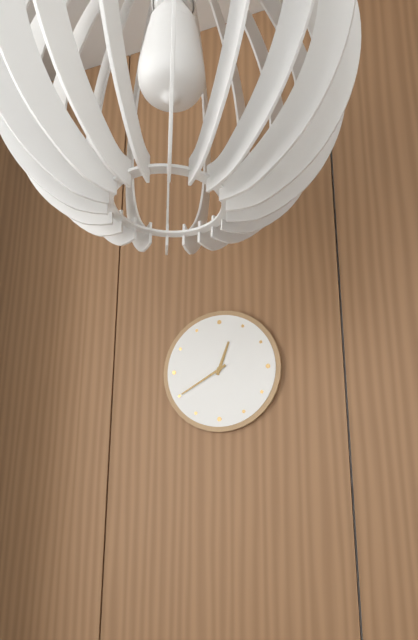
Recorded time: 12:40
